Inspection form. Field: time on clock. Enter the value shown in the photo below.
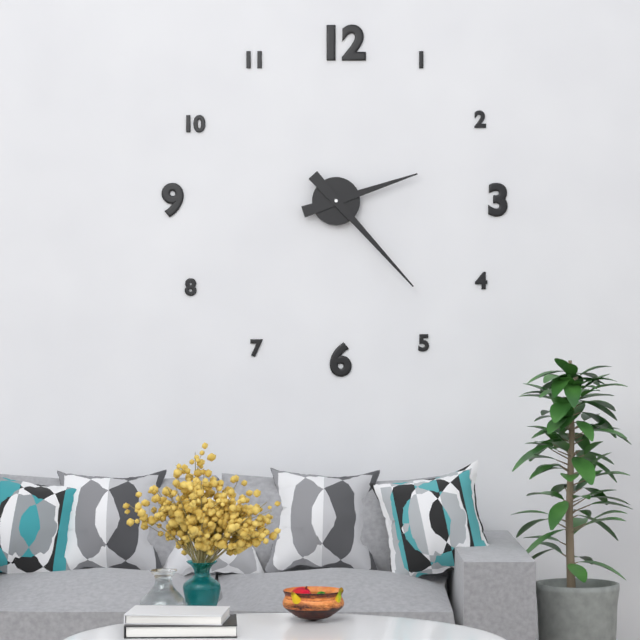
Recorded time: 2:23
